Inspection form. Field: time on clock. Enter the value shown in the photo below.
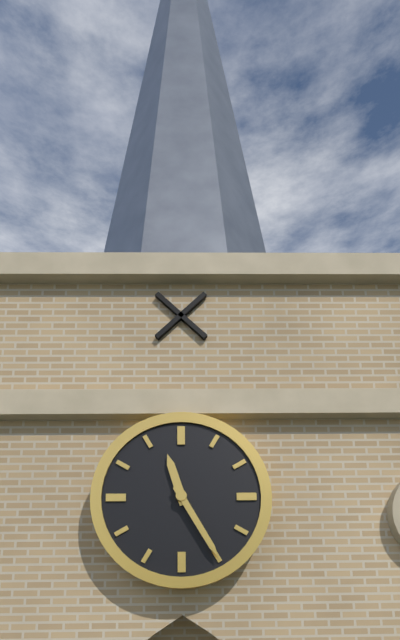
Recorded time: 11:25
